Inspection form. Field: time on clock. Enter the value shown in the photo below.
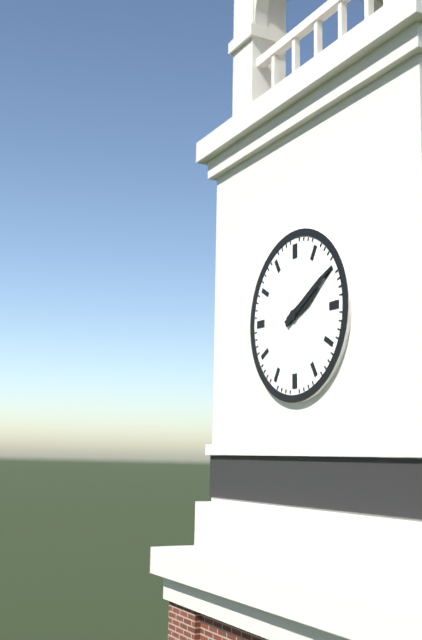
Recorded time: 2:10
